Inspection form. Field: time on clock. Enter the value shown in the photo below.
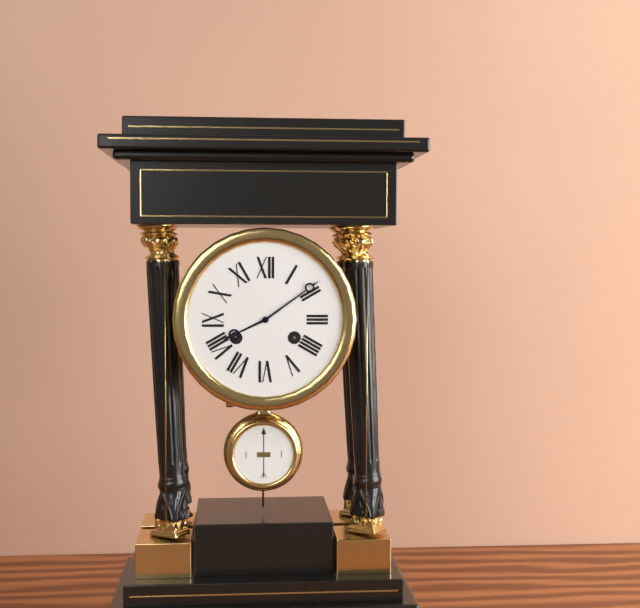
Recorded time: 8:09
